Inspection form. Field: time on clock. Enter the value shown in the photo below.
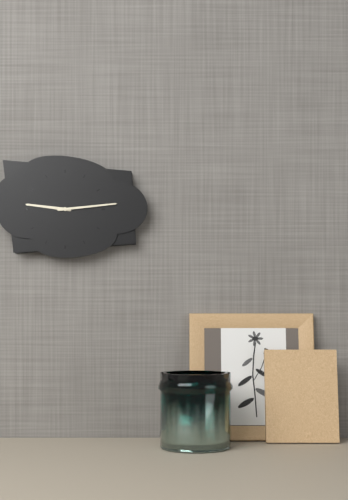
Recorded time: 9:14
